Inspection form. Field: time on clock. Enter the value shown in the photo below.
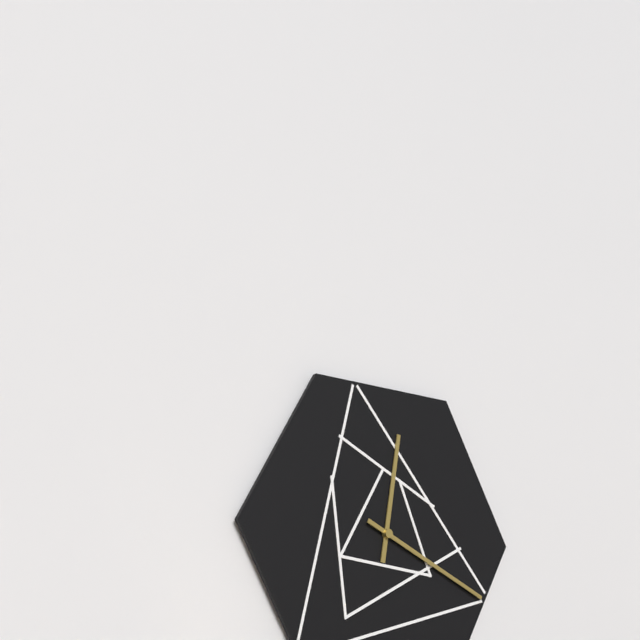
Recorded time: 12:19
